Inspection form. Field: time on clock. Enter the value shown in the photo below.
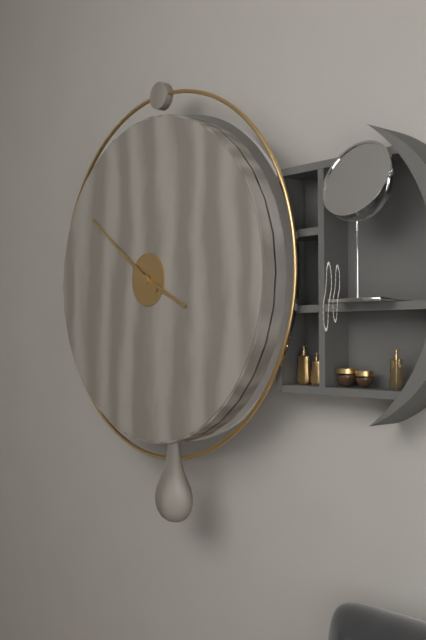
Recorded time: 3:51
